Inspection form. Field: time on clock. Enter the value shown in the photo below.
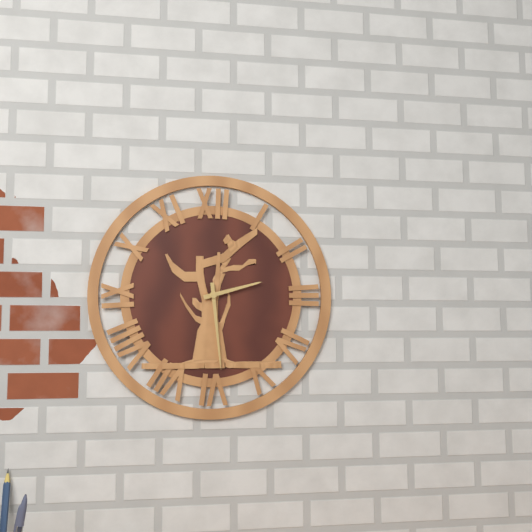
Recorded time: 2:29
